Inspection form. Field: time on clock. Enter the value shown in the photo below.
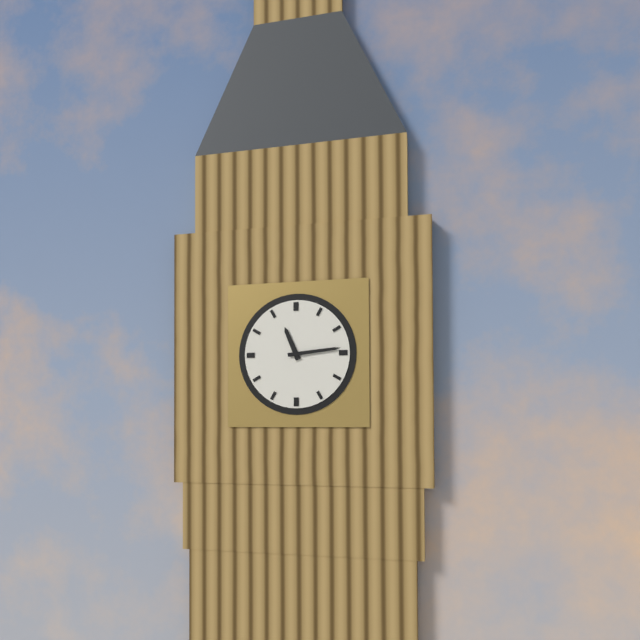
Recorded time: 11:14
